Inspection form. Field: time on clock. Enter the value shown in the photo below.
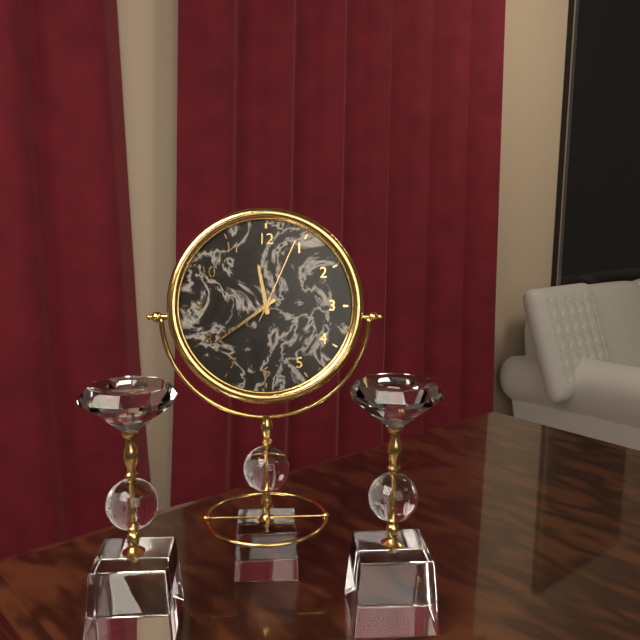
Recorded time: 11:39:04
